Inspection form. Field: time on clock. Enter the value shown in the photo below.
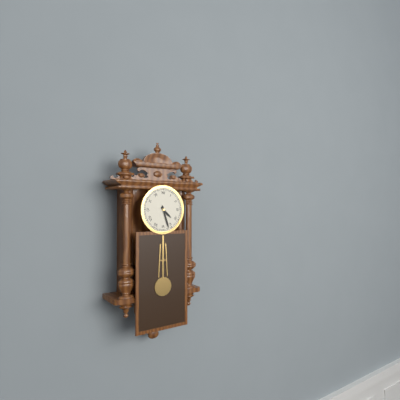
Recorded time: 4:27
